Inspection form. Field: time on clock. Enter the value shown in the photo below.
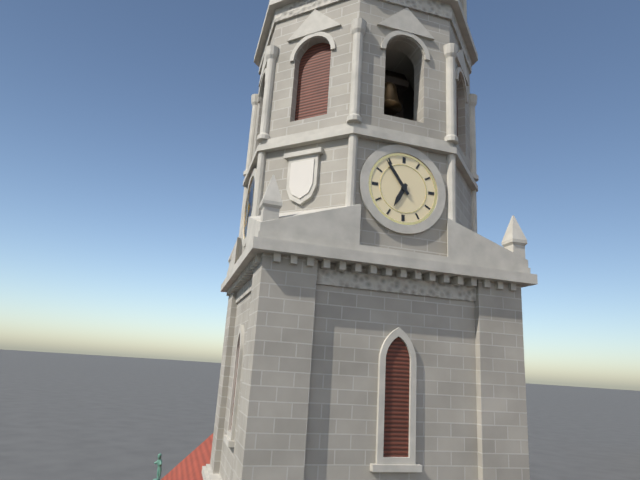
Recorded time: 6:54
